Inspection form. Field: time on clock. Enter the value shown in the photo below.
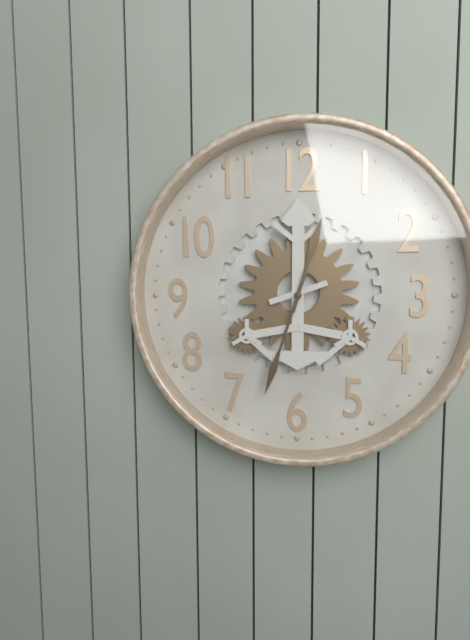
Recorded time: 12:33
